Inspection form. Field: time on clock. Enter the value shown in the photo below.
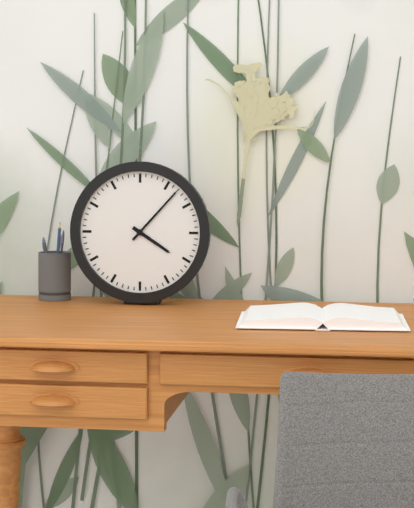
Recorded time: 4:07
